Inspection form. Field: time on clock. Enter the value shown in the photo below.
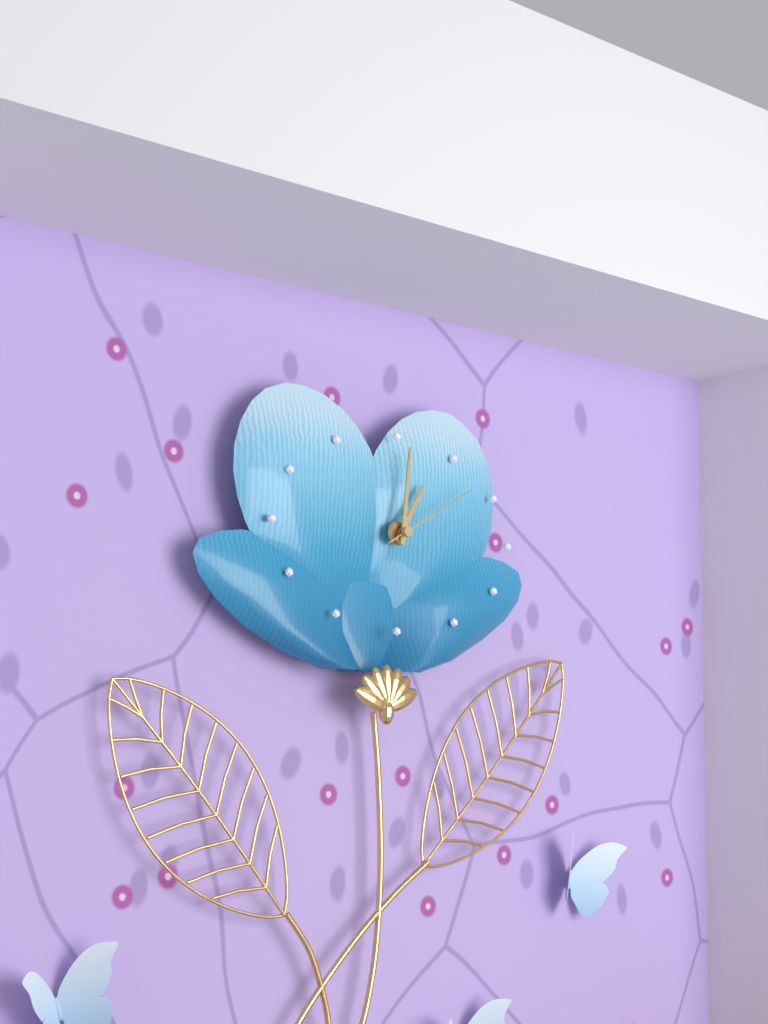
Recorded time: 1:01:10
